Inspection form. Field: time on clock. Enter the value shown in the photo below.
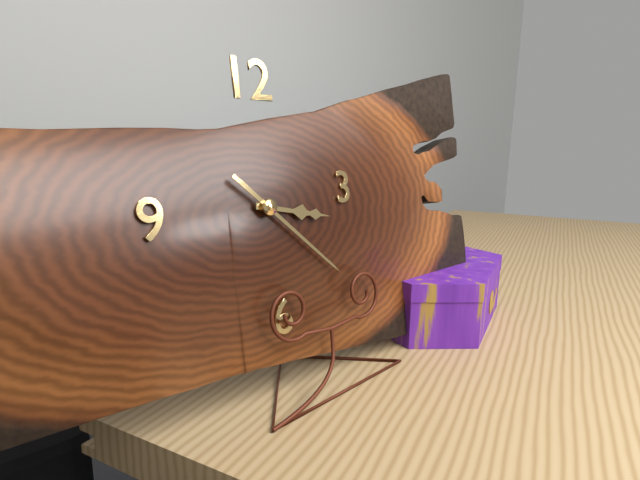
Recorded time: 3:22
